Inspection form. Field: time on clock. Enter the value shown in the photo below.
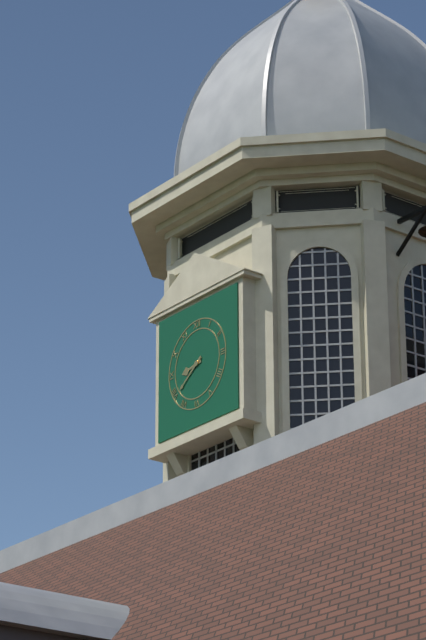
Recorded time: 8:39
